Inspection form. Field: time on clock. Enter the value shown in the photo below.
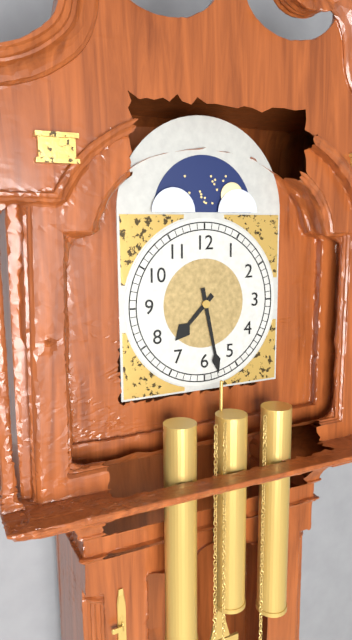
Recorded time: 7:28
